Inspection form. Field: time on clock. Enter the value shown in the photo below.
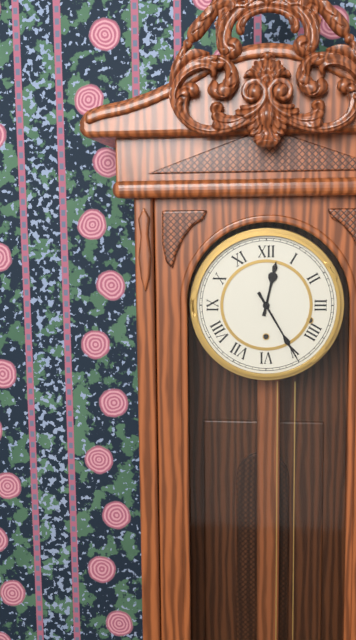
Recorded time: 12:25
